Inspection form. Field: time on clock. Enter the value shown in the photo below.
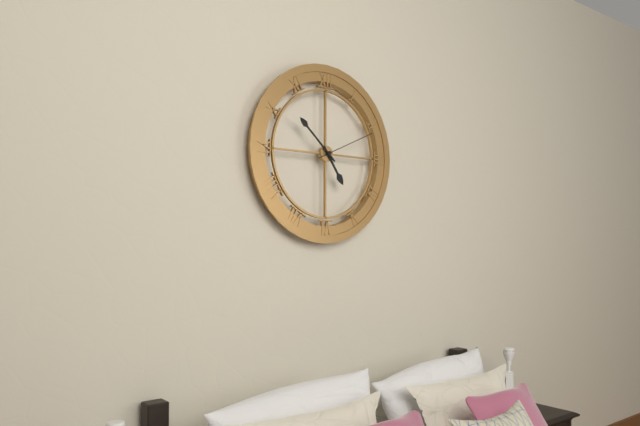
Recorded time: 4:52:11
